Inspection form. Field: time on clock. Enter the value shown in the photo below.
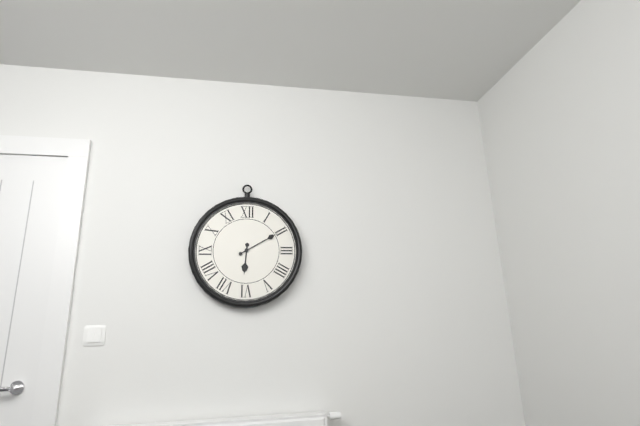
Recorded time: 6:10
